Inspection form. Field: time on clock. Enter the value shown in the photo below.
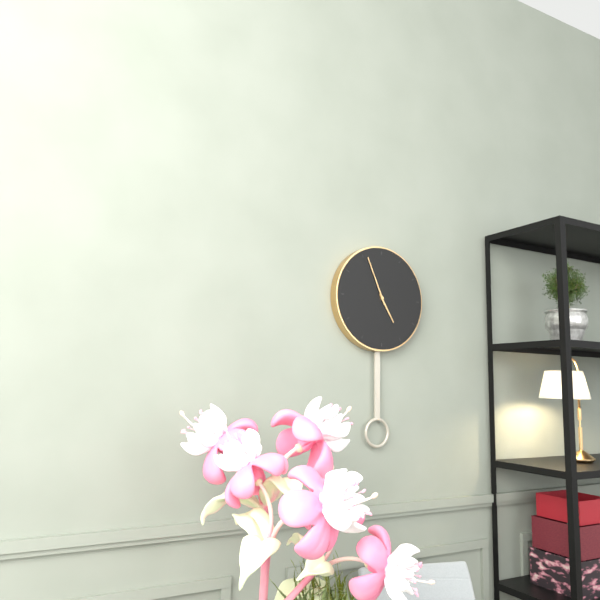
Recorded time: 4:56
